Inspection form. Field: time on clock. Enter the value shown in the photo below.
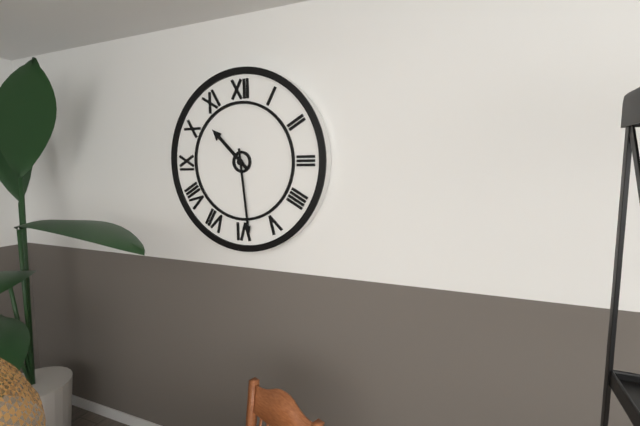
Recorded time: 10:29
